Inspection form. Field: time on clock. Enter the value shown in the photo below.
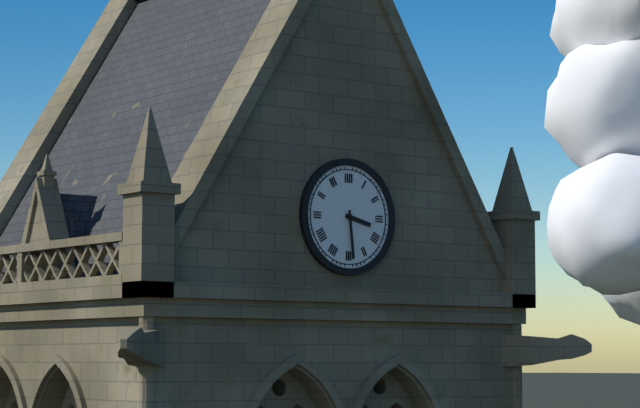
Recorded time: 3:29
